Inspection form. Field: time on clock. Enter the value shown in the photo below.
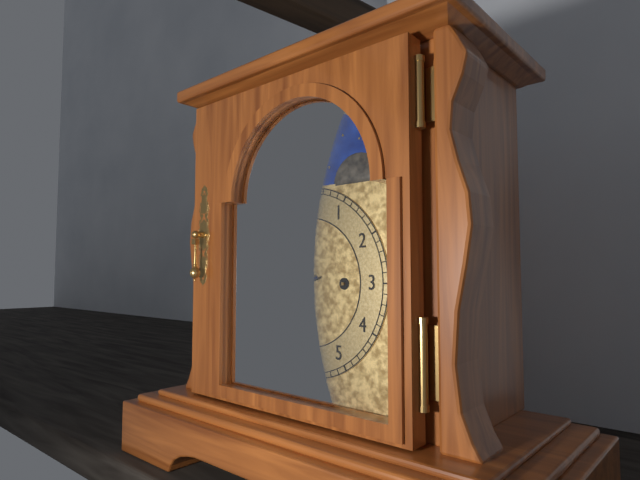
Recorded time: 7:42
